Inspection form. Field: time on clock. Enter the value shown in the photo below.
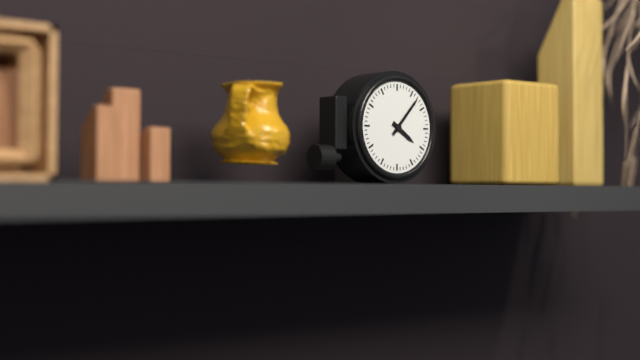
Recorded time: 4:07
